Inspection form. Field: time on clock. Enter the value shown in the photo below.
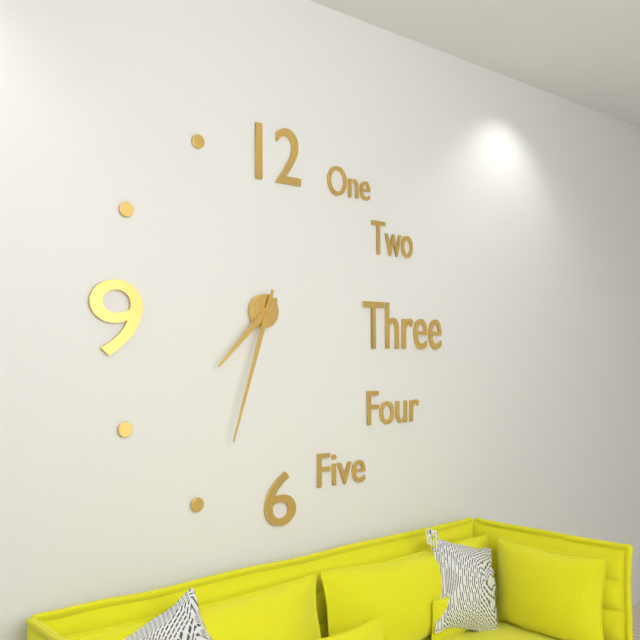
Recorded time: 7:33
